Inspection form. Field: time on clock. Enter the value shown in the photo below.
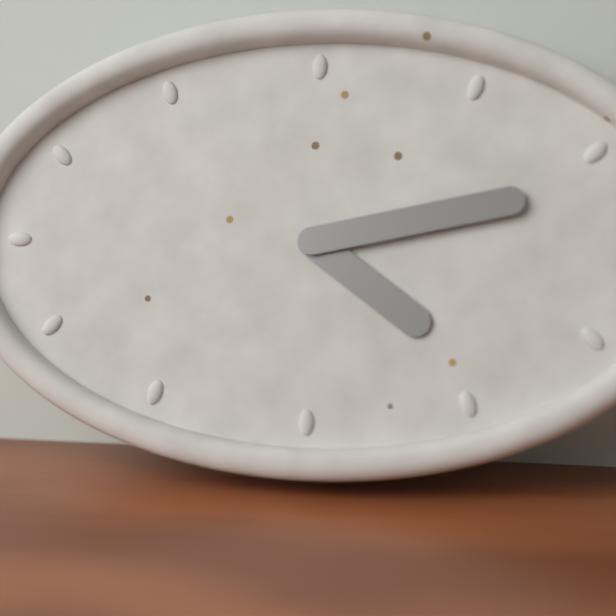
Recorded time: 4:13
